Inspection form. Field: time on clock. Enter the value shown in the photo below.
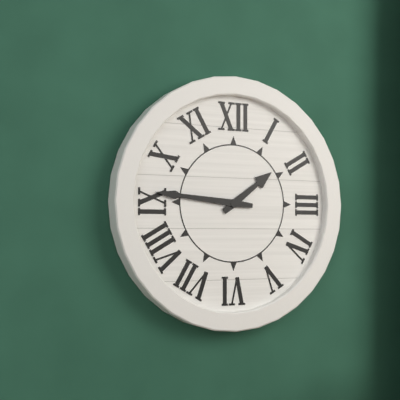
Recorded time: 1:46
